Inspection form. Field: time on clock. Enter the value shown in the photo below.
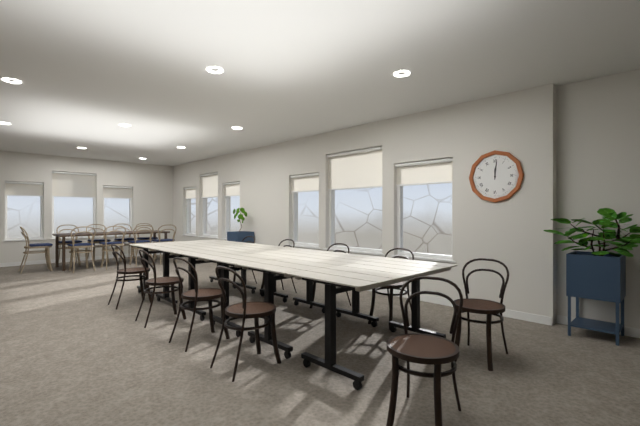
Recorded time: 12:01
